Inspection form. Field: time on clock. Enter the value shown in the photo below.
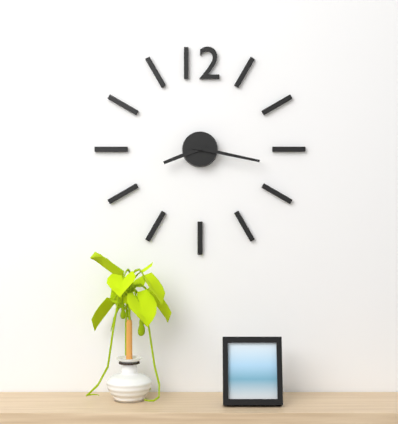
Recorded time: 8:17
